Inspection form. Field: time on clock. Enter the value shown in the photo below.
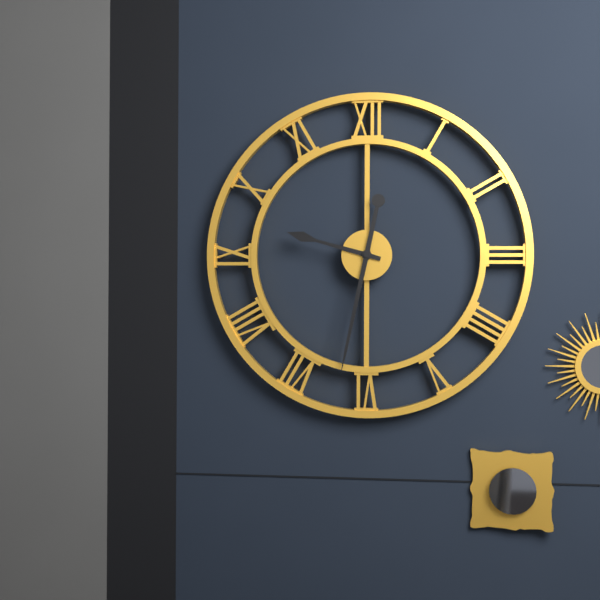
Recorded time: 9:32
